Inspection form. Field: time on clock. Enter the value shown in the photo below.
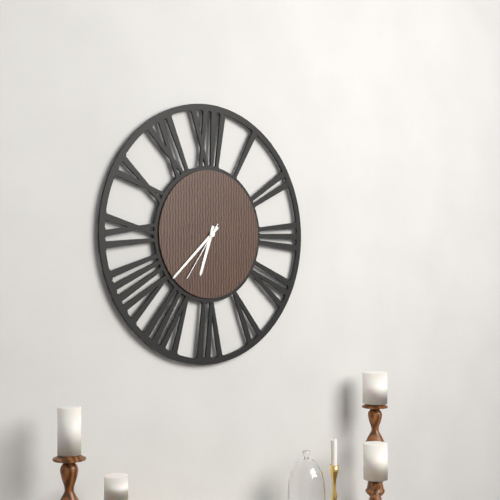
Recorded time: 6:38:36
